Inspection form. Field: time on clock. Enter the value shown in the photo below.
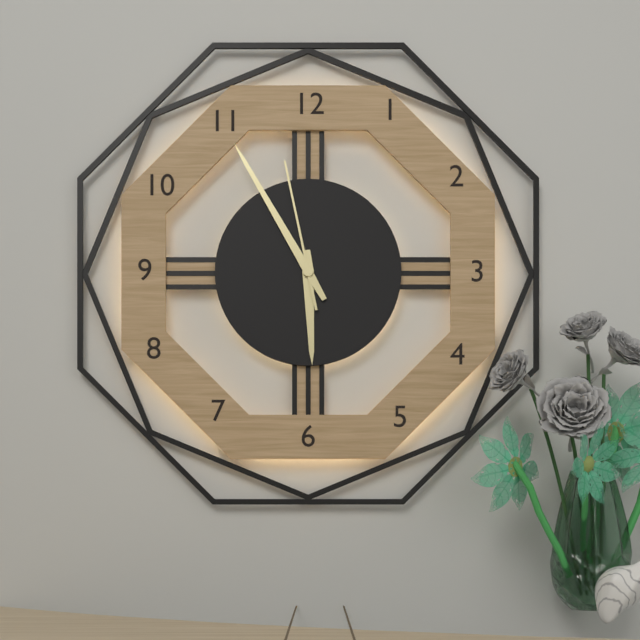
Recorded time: 5:55:58
